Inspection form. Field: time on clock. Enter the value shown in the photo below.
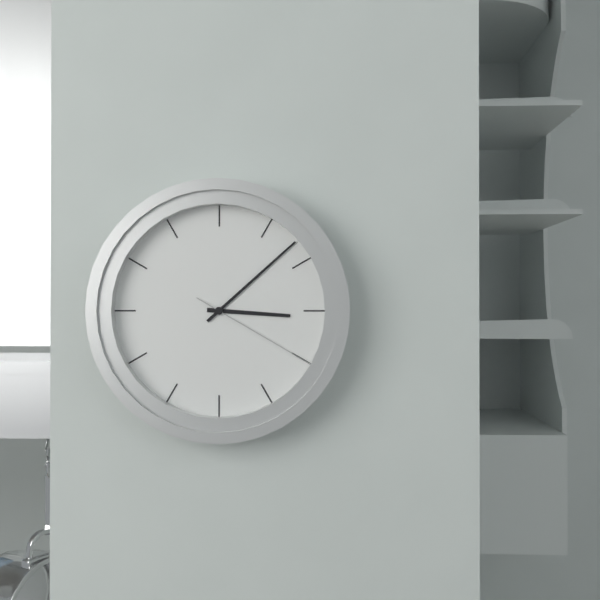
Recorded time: 3:08:20
